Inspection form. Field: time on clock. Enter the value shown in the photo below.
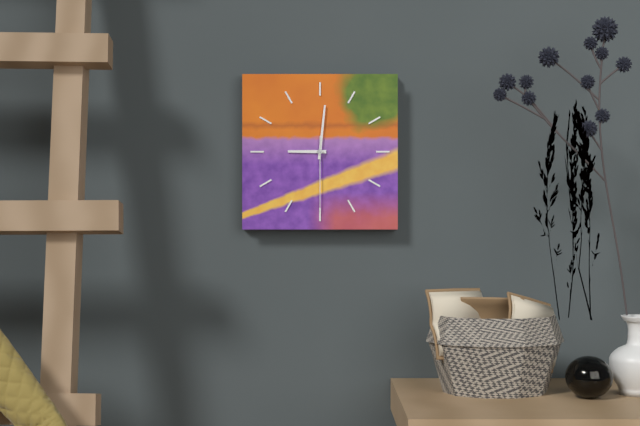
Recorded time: 9:01:30
